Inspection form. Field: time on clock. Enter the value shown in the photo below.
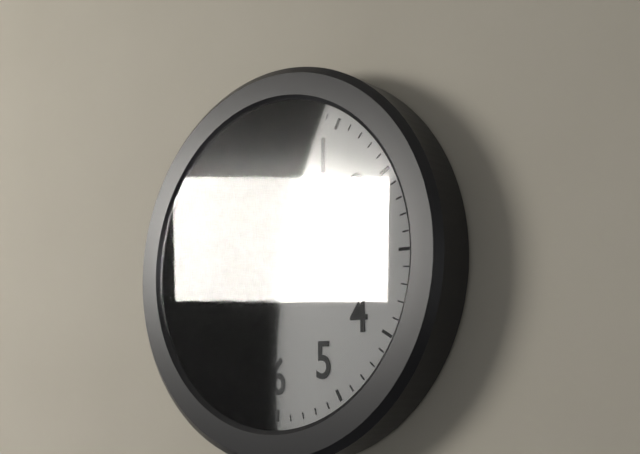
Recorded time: 1:10
